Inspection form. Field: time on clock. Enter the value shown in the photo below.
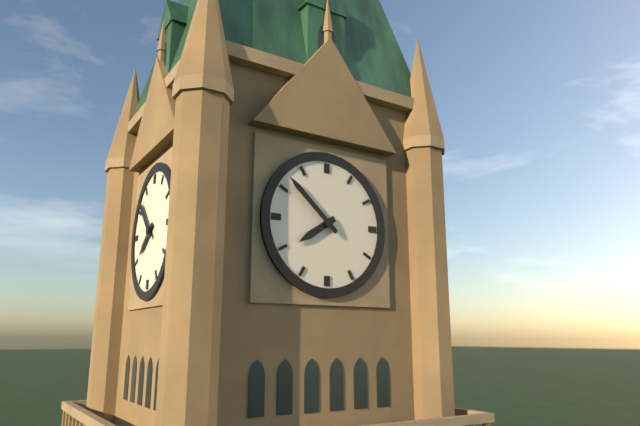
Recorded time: 7:52
